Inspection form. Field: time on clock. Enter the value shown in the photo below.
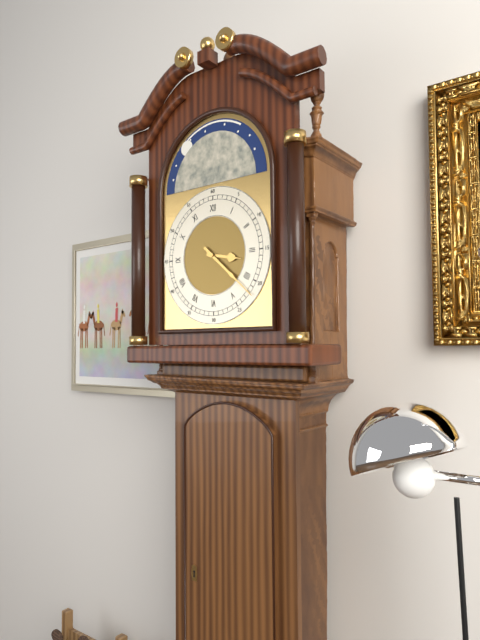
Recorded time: 3:22
